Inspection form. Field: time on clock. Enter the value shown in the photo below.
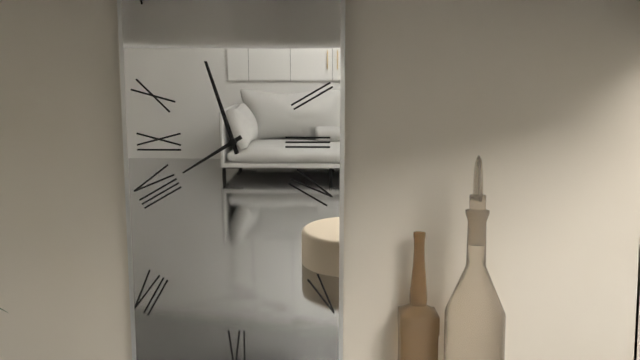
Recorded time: 7:57
